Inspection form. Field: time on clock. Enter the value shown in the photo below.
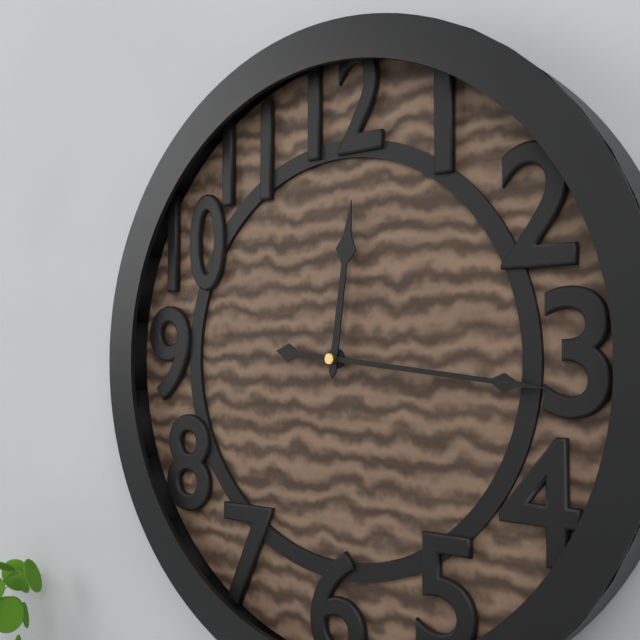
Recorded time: 12:16
